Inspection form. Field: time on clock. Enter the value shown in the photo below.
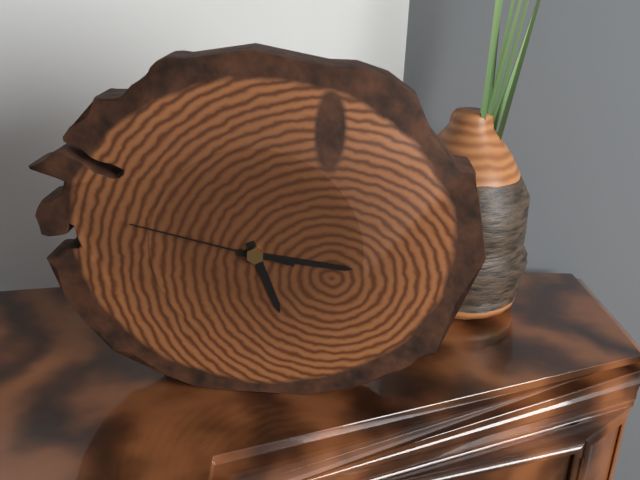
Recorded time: 5:16:47
